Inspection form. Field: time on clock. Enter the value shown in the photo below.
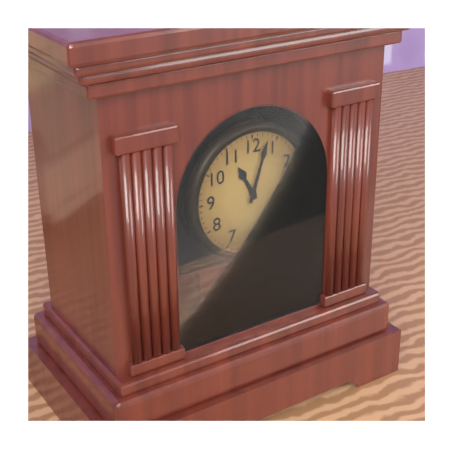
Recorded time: 11:03
